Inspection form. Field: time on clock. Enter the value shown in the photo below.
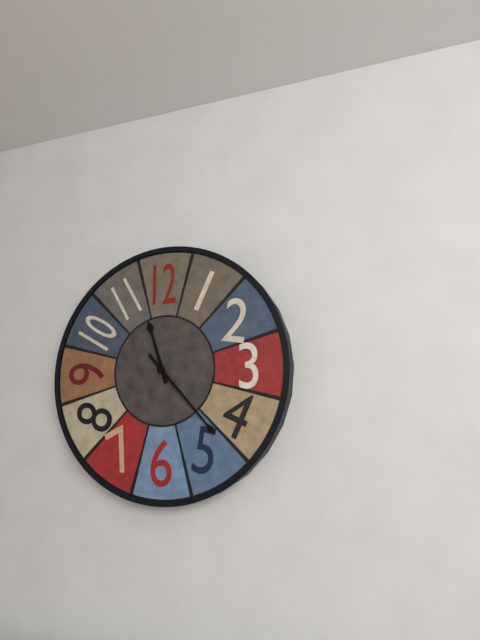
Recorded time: 11:23
